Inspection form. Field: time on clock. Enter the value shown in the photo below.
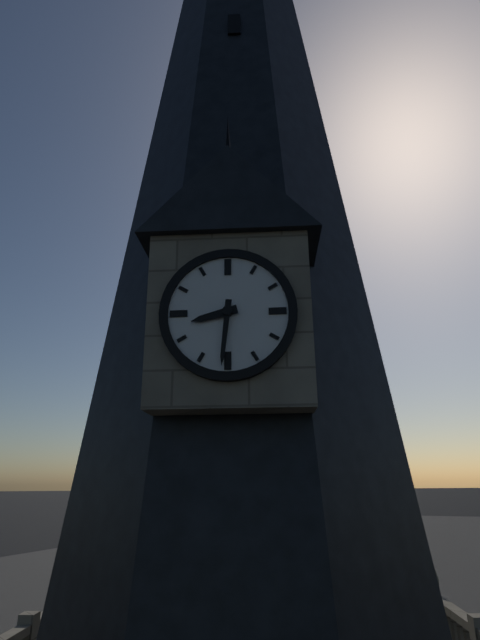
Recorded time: 8:31
